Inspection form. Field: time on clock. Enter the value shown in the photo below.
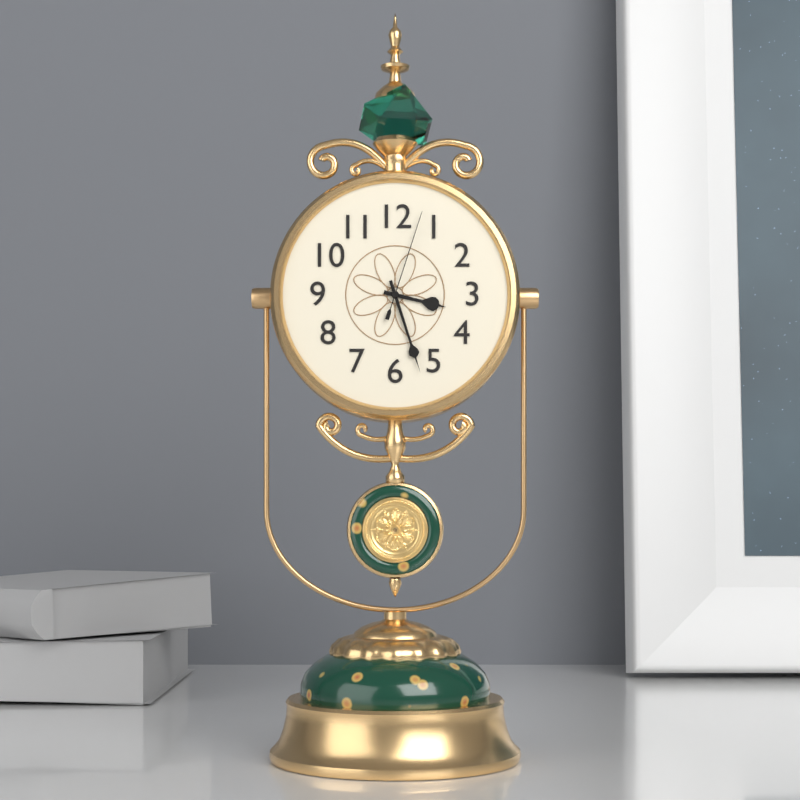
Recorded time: 3:27:03
